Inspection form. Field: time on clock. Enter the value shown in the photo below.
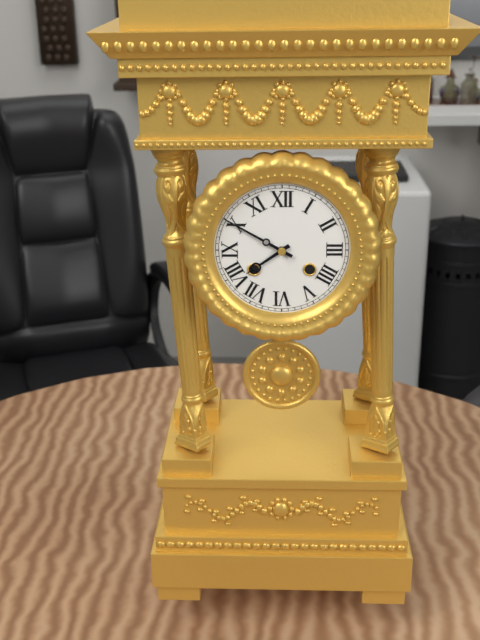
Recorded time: 7:50
